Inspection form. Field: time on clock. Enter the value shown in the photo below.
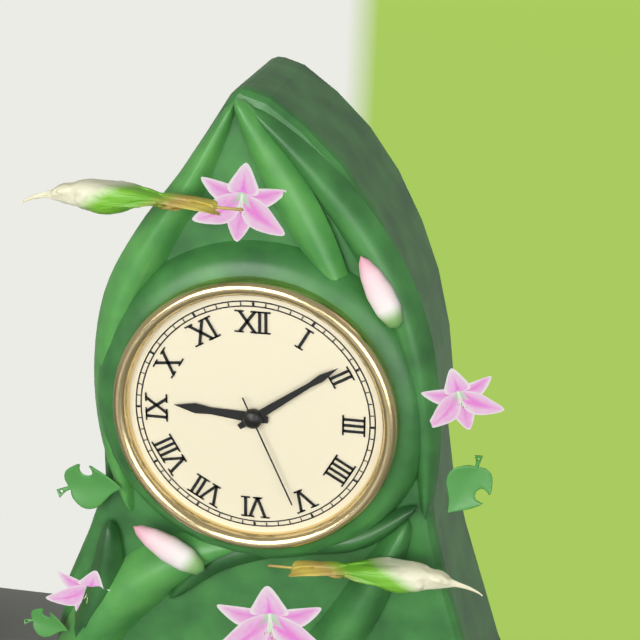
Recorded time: 9:09:26
